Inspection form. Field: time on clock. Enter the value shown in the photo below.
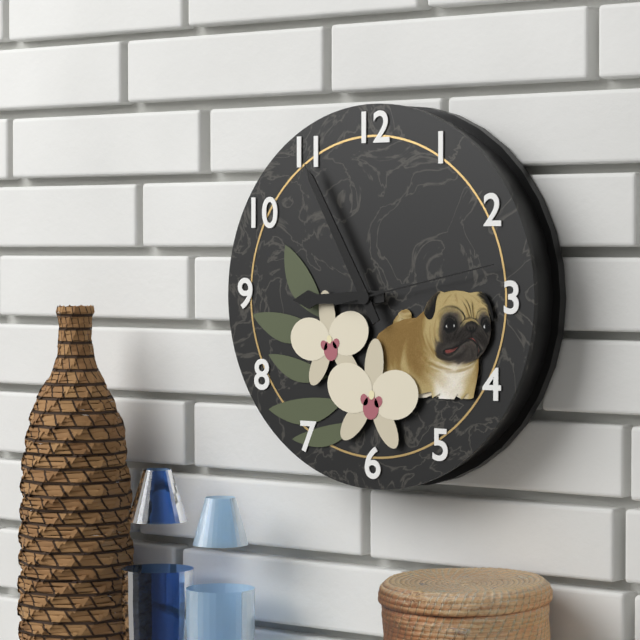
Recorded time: 8:55:13
